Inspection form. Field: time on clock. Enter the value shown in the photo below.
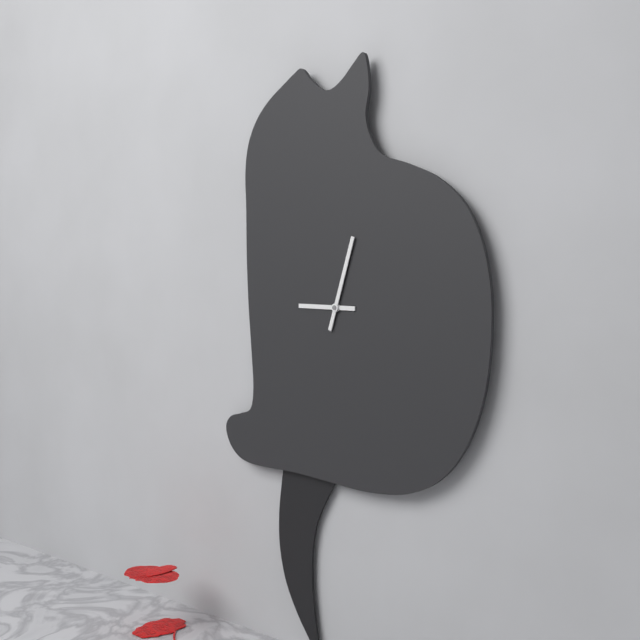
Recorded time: 9:03
